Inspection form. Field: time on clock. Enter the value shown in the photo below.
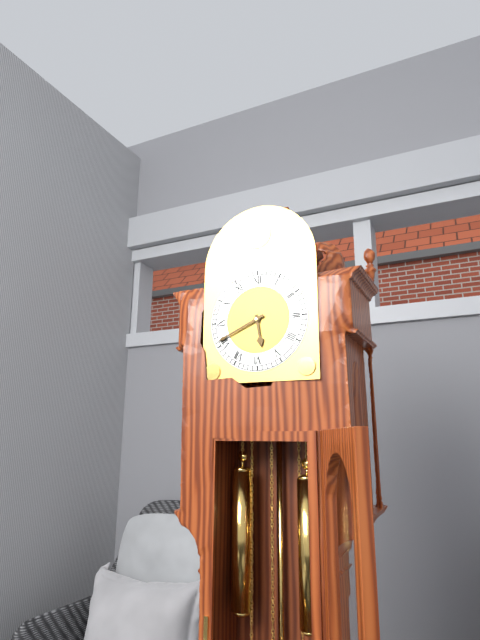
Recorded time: 5:41
